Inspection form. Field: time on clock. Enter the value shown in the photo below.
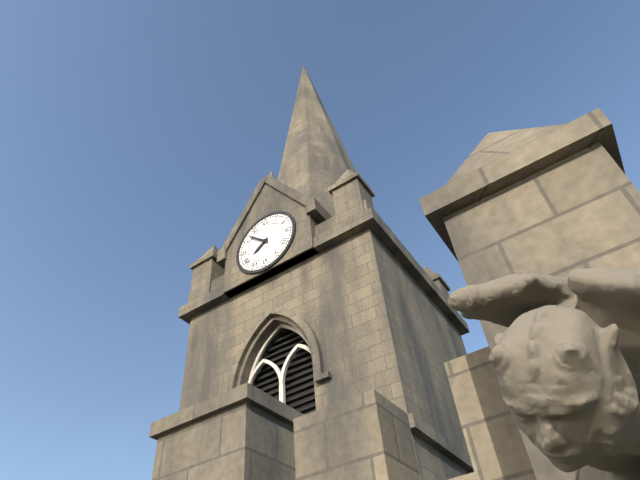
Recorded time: 7:52
